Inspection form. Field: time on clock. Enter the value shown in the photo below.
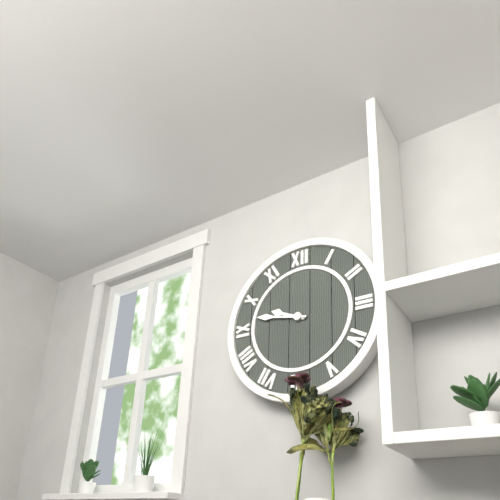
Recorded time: 9:47
